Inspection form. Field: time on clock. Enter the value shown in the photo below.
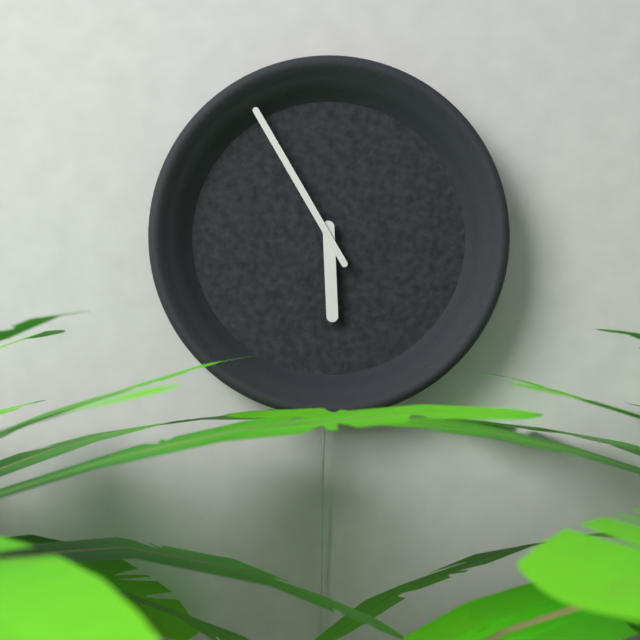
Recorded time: 5:55
